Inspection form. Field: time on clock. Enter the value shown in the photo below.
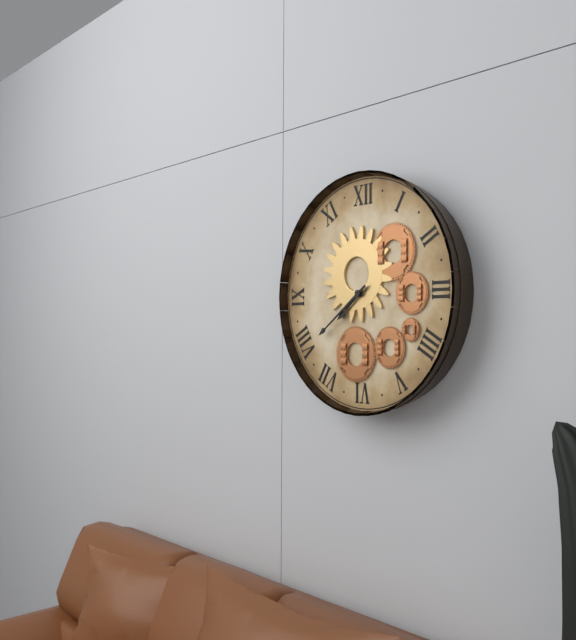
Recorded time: 7:39
